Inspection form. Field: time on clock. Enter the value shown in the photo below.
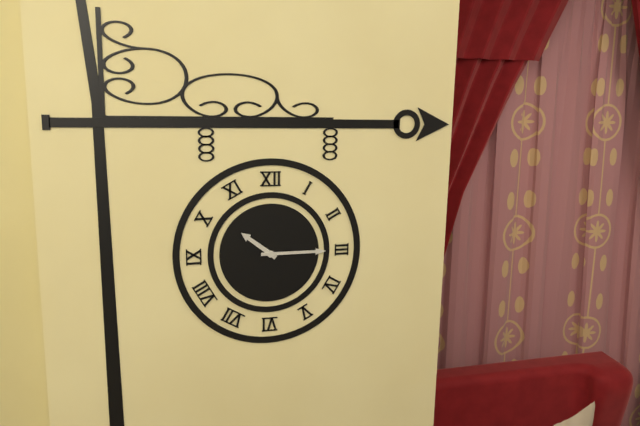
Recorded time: 10:15
